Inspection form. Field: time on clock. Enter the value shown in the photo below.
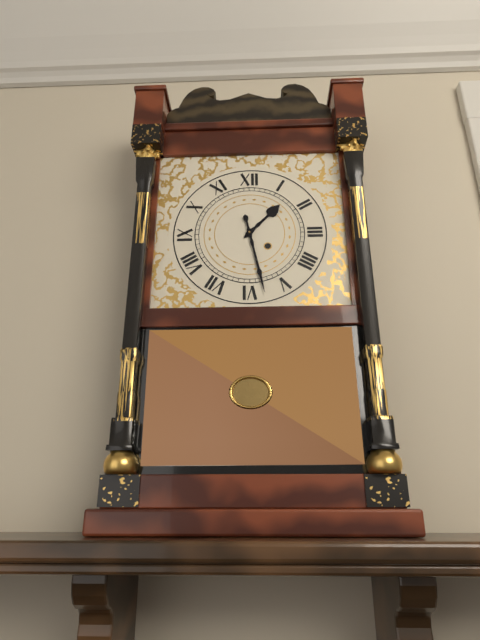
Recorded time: 1:28
